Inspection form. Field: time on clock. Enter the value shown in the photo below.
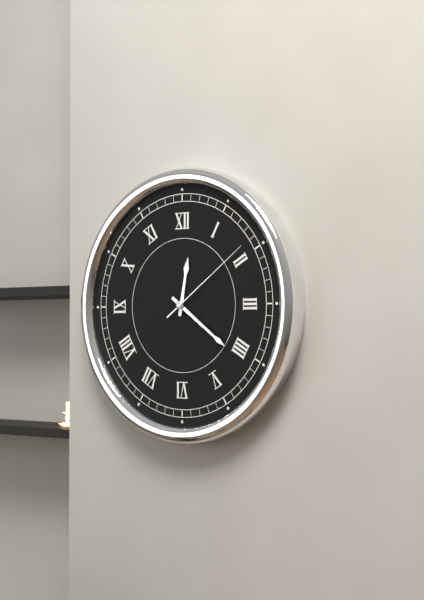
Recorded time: 12:21:09
